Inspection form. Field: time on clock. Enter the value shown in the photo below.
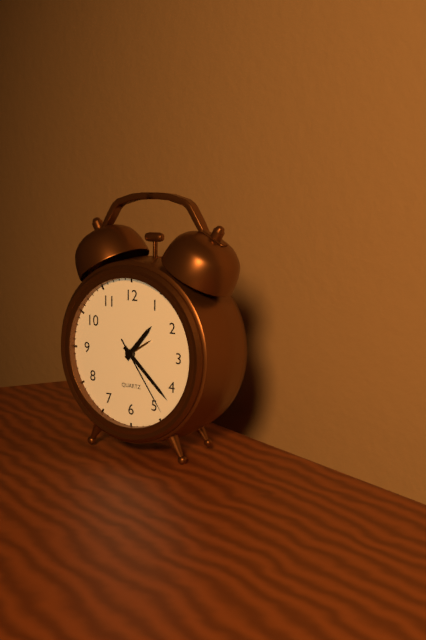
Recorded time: 1:22:24
